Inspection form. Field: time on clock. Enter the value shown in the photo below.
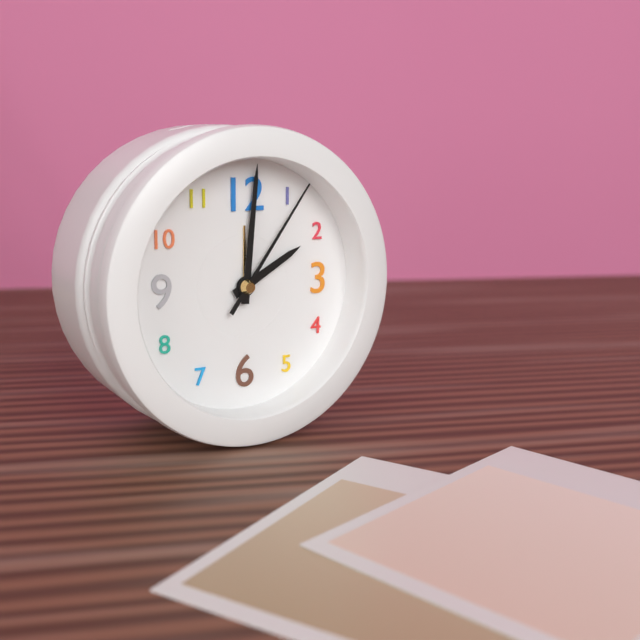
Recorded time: 2:01:06
